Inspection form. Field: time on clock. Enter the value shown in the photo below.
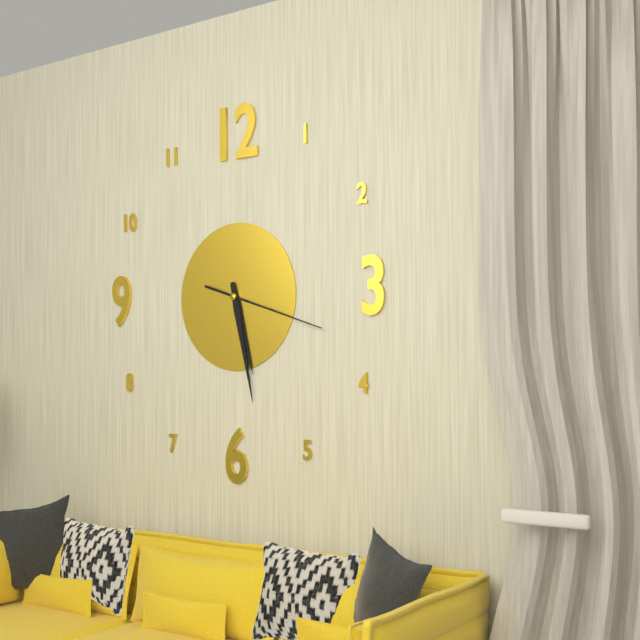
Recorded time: 5:28:18
